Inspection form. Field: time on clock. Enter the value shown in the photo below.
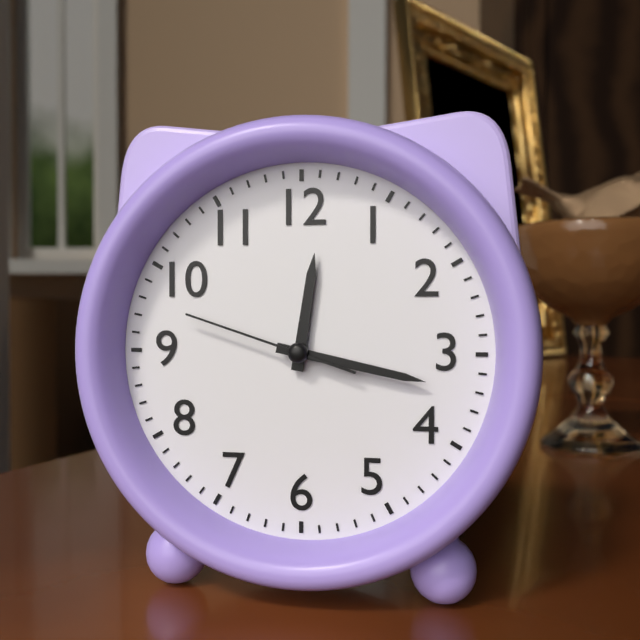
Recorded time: 12:17:48
